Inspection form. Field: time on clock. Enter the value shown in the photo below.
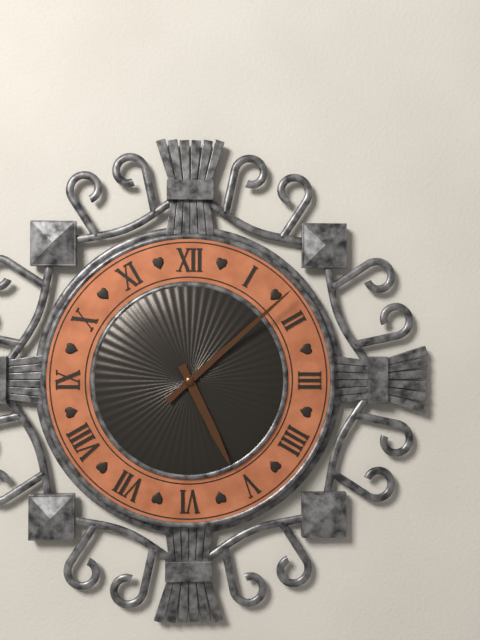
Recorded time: 5:08
